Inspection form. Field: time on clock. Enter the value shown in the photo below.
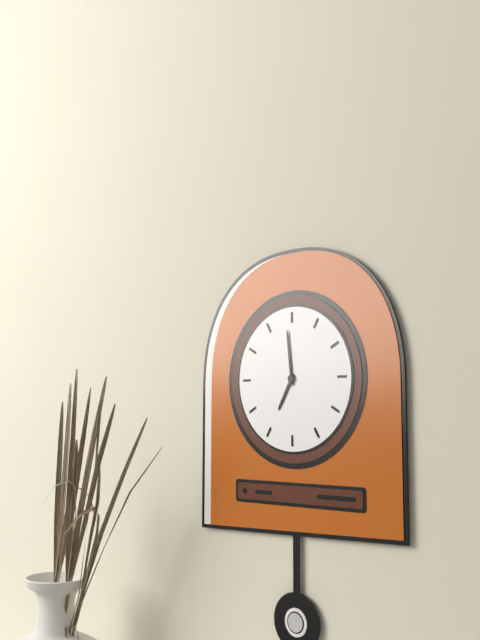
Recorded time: 6:59
